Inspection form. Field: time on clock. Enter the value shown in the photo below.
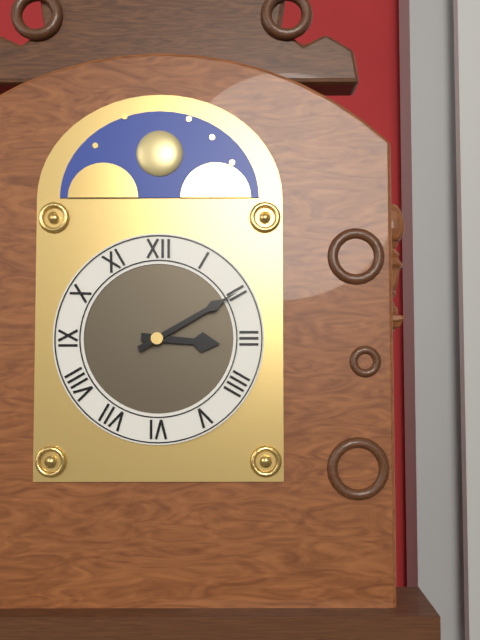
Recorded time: 3:10
